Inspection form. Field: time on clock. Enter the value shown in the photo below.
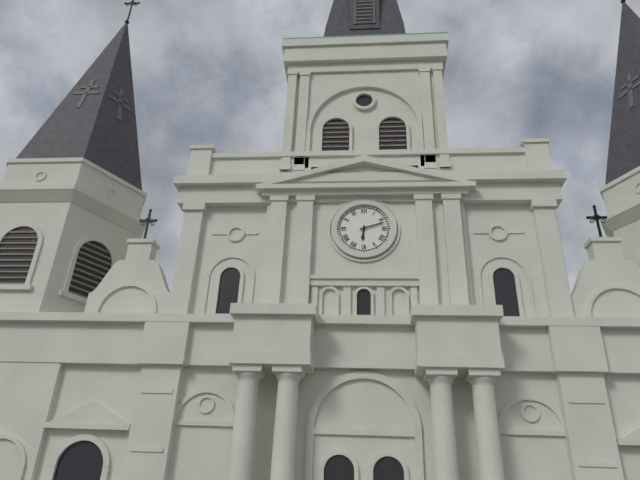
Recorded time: 6:12
